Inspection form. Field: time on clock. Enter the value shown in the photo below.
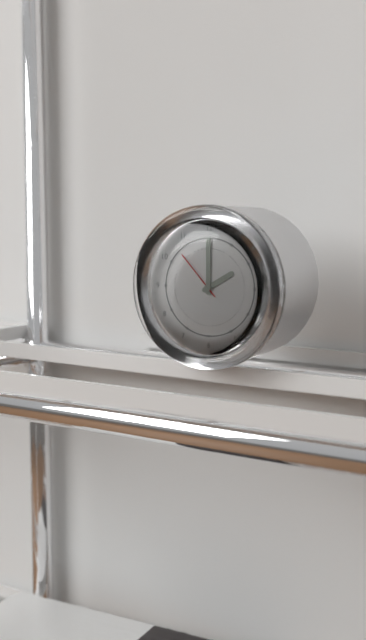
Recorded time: 2:00:53
